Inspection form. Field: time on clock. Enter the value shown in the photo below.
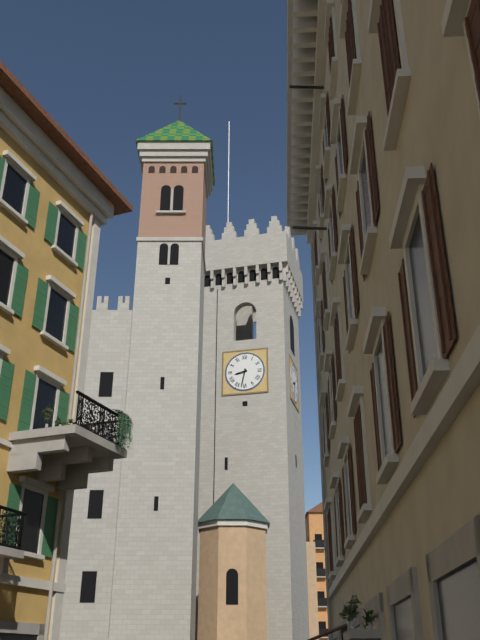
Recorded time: 8:32
